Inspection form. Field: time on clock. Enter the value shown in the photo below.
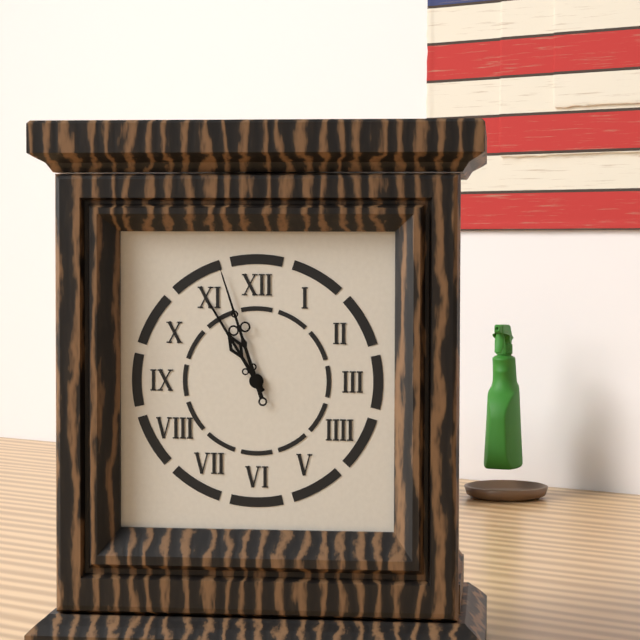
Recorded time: 10:57
